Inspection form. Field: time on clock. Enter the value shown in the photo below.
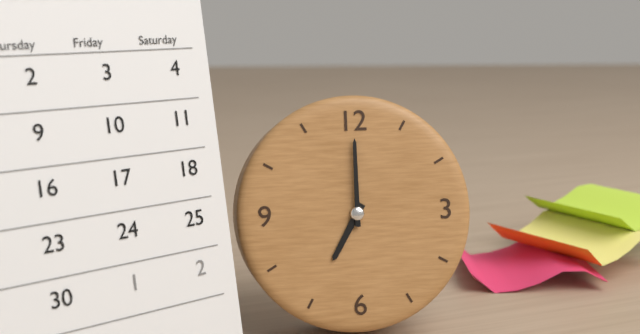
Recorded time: 7:00
